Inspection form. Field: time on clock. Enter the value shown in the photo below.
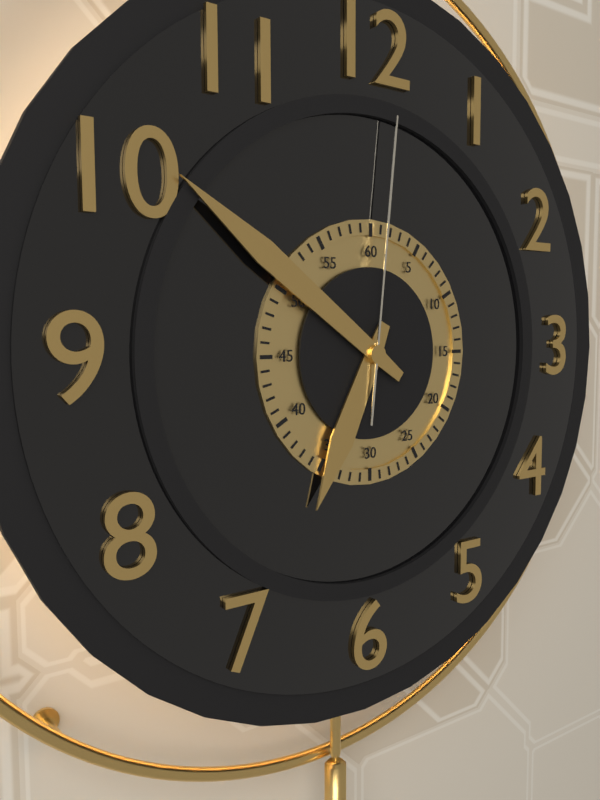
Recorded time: 6:51:01
